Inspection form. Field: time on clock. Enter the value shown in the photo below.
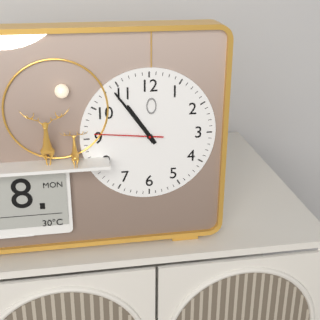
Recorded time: 10:54:46
